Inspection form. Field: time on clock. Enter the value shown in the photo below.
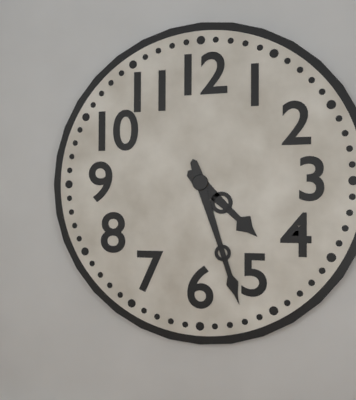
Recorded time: 4:27
